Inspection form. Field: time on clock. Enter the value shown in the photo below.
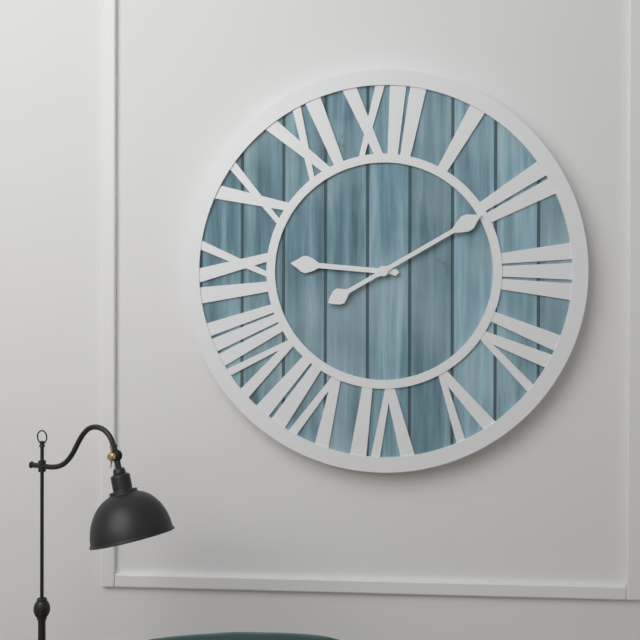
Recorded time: 9:10
